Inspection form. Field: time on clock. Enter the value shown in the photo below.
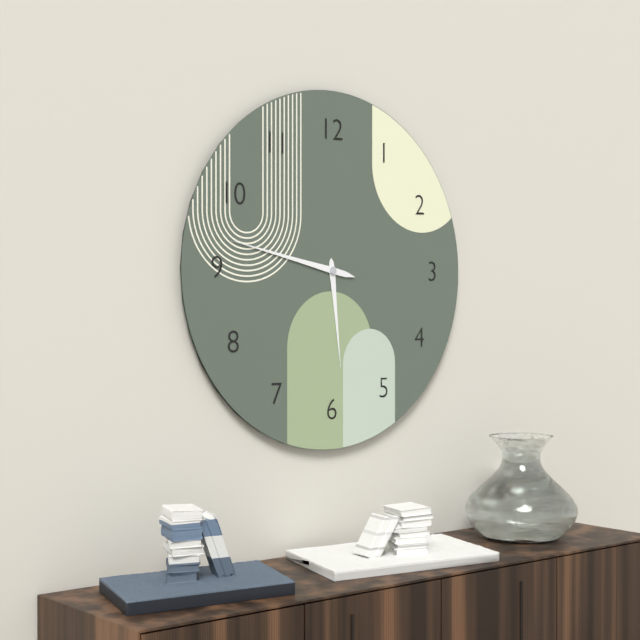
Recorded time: 5:47
